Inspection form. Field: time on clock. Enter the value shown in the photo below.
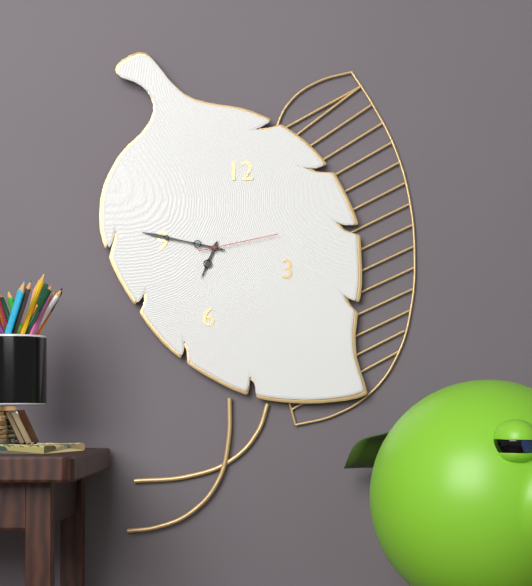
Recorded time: 6:47:13
